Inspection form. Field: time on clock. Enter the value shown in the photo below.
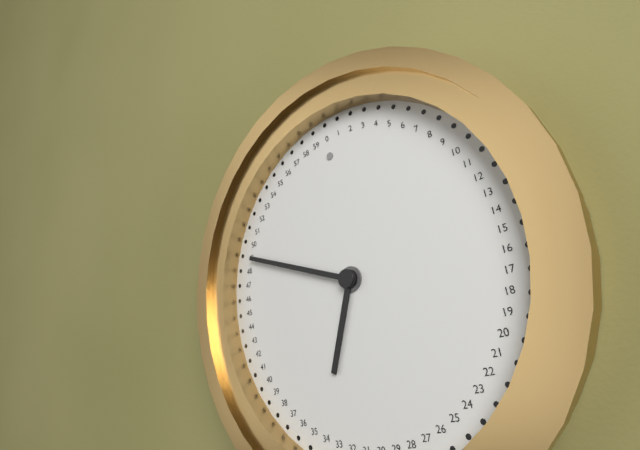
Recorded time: 6:49
